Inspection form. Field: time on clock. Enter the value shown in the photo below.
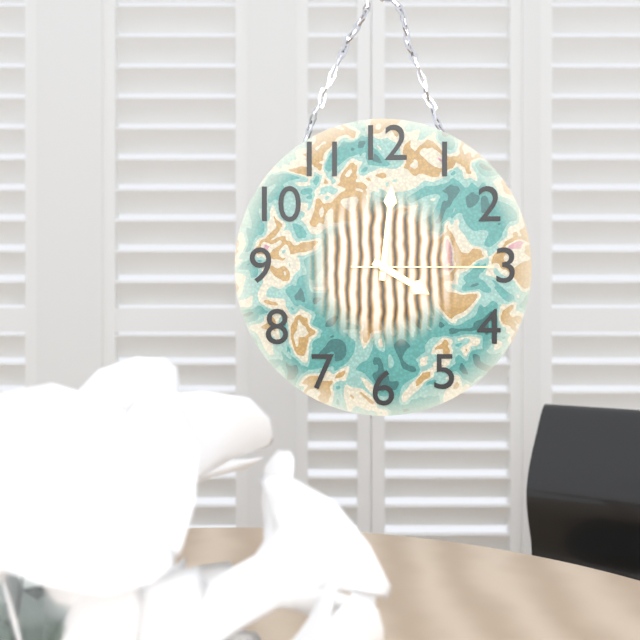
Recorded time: 4:01:15
